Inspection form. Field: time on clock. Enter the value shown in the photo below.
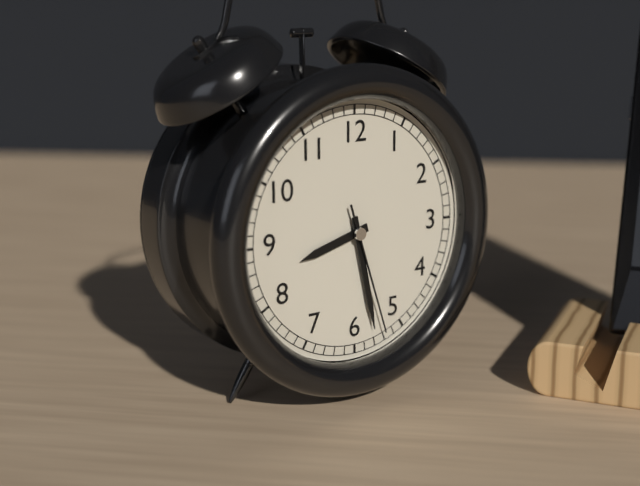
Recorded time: 8:28:27
